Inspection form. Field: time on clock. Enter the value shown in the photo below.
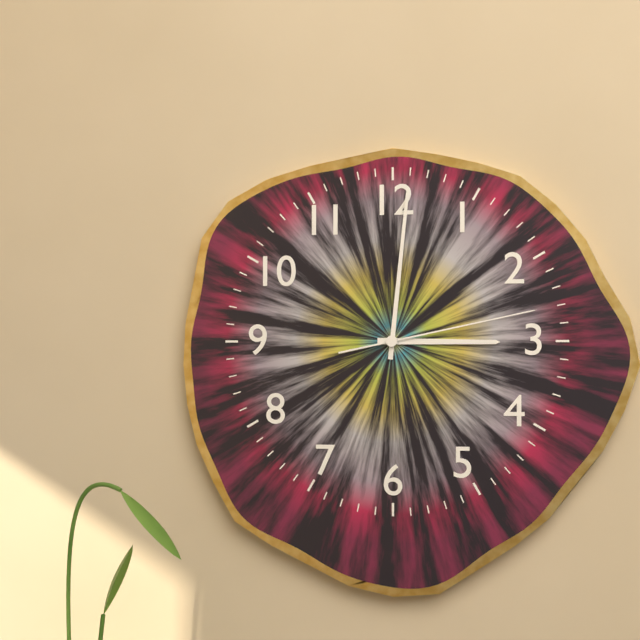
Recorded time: 3:01:13
